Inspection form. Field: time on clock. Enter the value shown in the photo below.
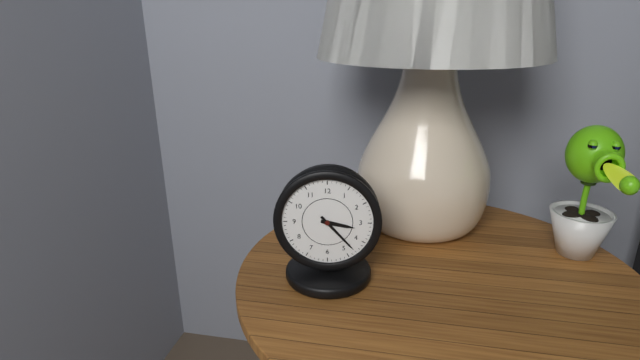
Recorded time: 3:23
